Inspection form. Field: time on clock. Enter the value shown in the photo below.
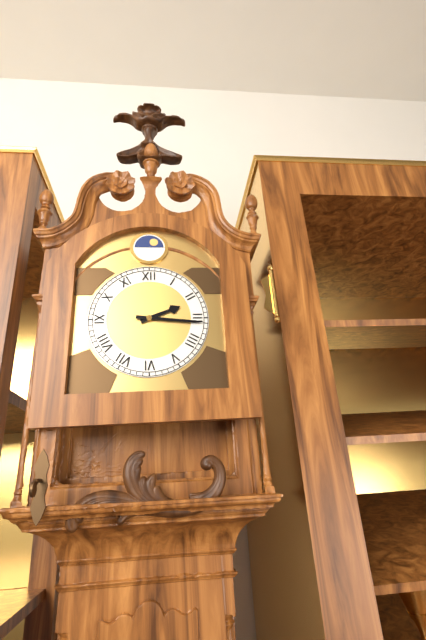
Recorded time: 2:16
